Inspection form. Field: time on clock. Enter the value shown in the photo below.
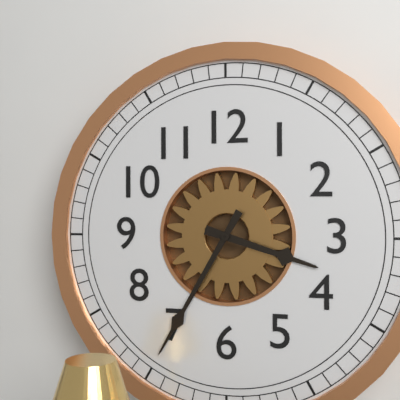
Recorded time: 3:35
